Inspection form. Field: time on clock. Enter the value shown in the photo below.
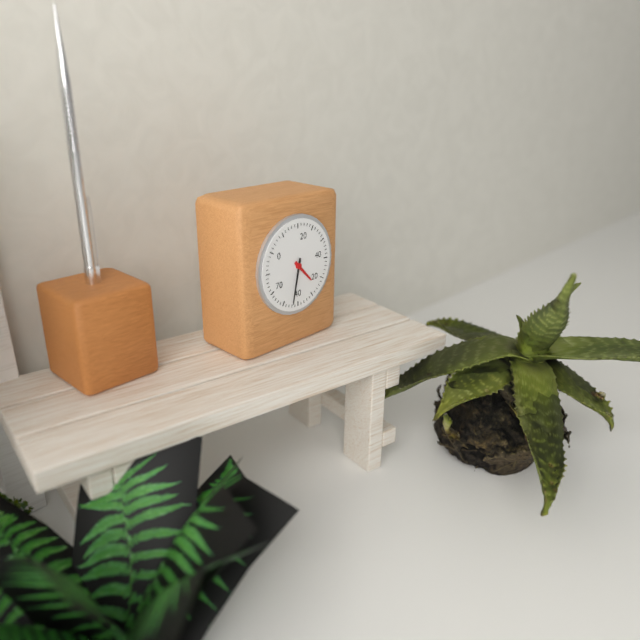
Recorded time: 4:32
